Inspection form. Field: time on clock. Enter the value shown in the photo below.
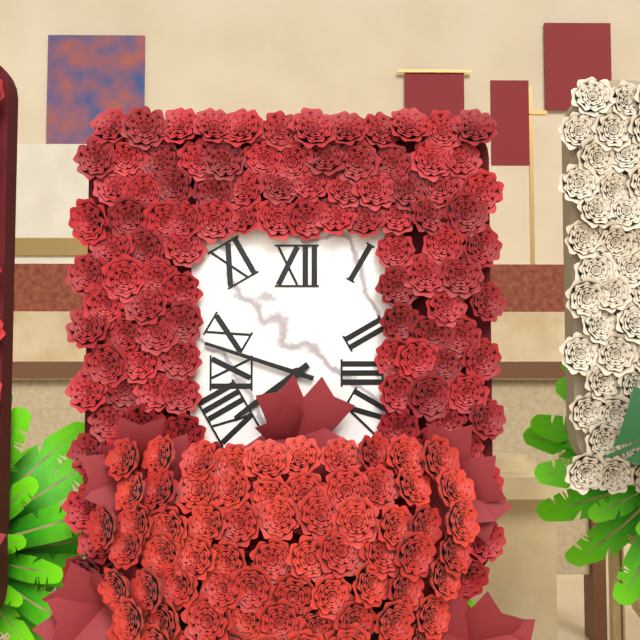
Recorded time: 7:48
